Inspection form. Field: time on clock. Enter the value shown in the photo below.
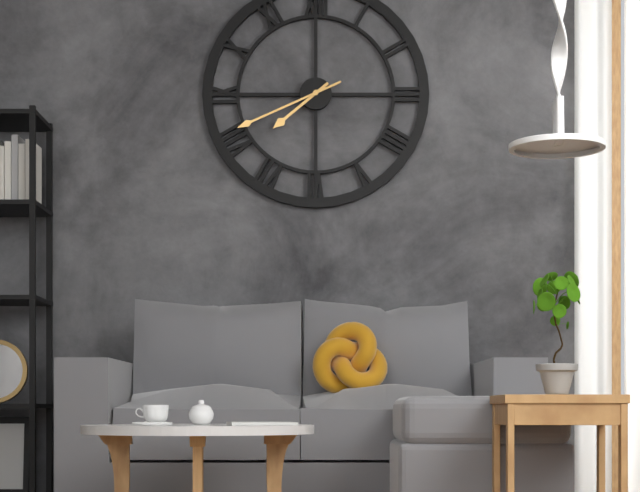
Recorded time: 7:41
